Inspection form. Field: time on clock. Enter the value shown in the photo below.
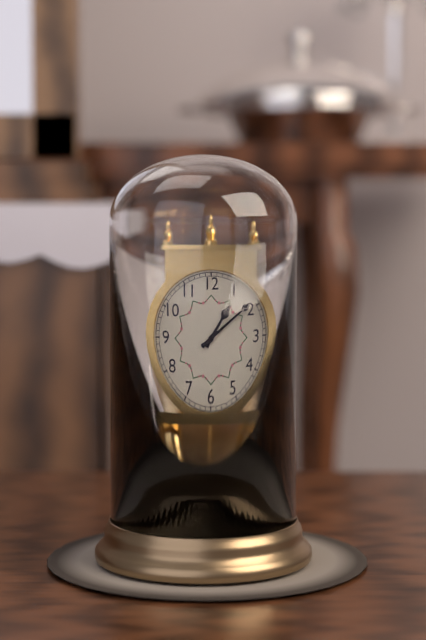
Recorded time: 1:09
